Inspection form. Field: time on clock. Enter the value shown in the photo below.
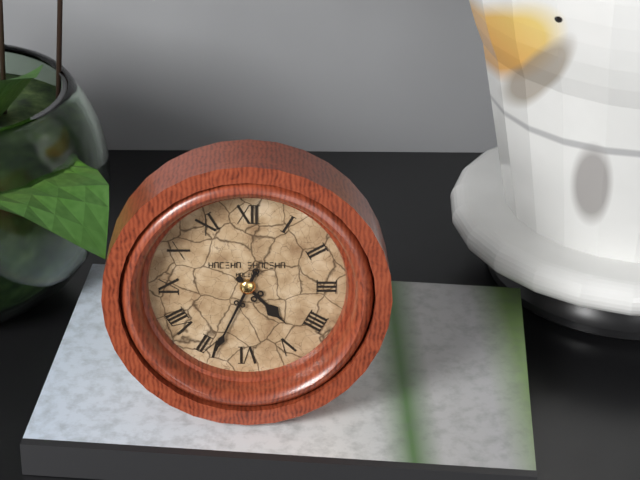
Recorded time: 4:34
